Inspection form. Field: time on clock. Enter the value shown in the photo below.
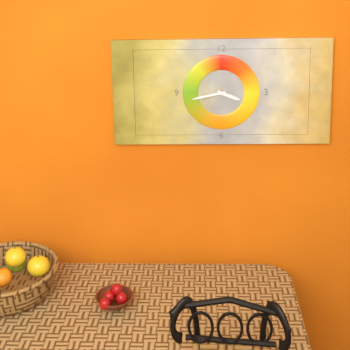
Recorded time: 3:43
